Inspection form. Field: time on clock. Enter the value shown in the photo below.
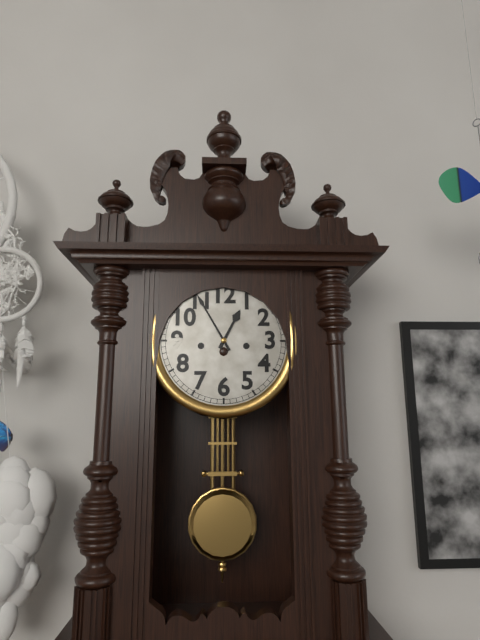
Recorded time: 12:55
